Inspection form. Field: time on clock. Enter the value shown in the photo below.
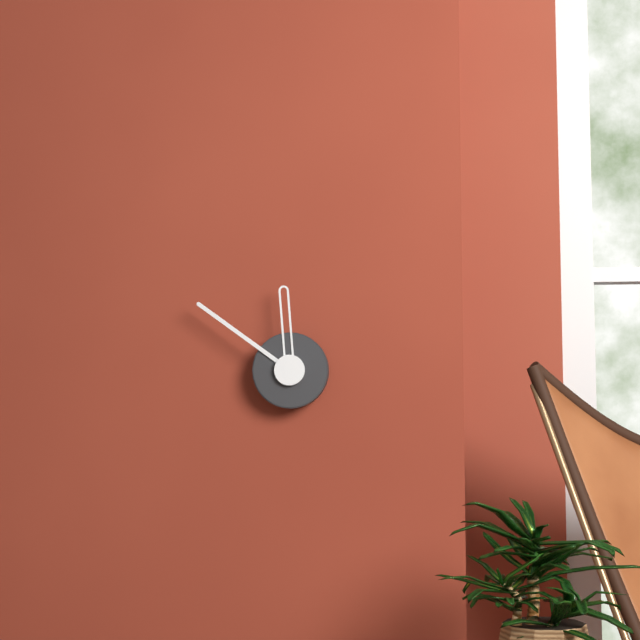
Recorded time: 11:51
